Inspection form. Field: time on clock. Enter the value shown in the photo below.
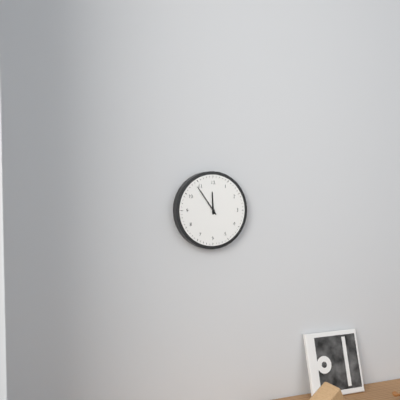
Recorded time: 11:54
